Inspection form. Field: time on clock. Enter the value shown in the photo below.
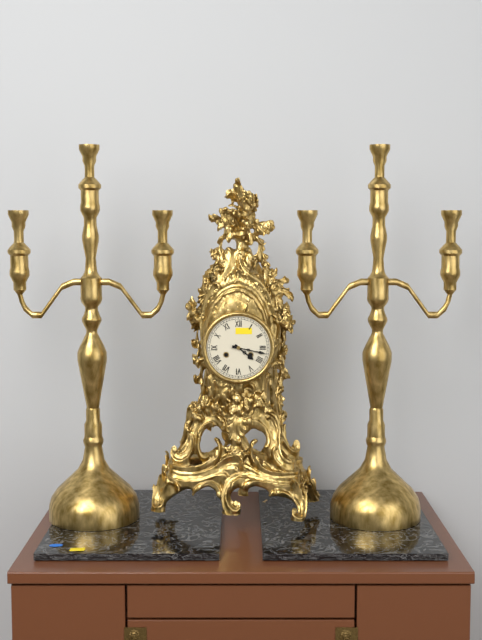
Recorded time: 4:17
